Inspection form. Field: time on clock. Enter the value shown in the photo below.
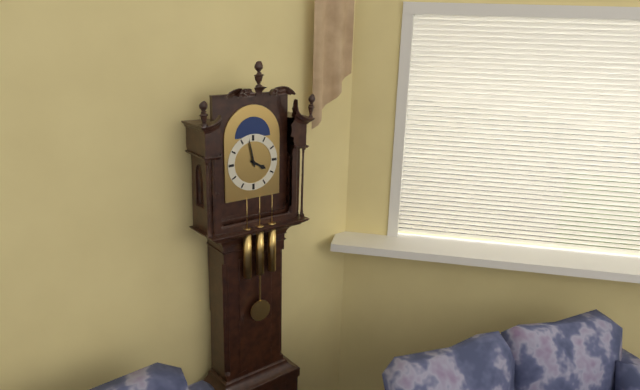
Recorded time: 3:58
